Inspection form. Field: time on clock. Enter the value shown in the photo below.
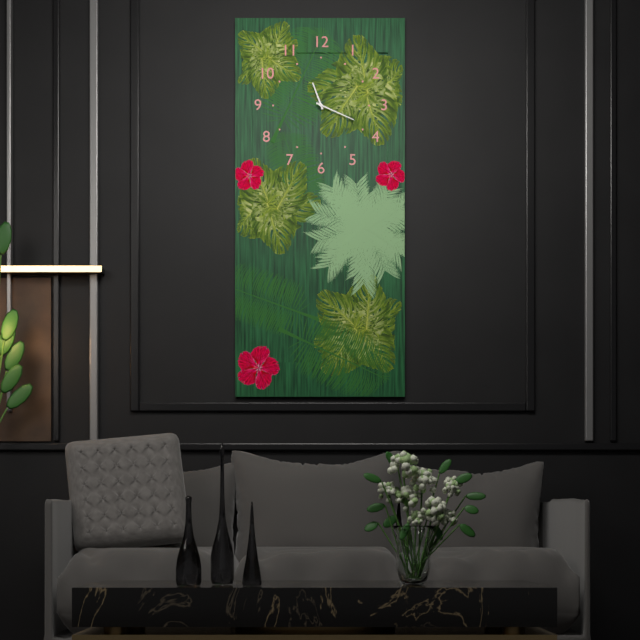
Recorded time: 11:19
